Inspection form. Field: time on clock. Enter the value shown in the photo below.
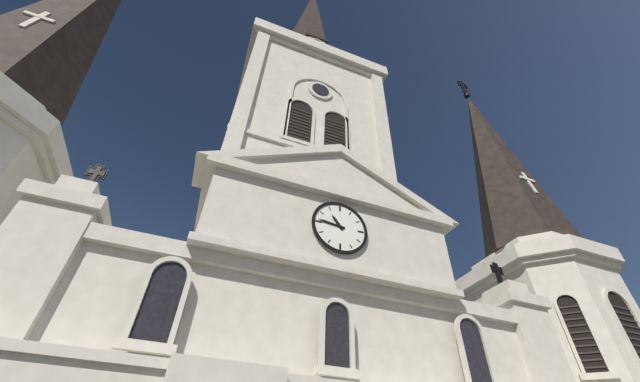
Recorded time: 10:46
